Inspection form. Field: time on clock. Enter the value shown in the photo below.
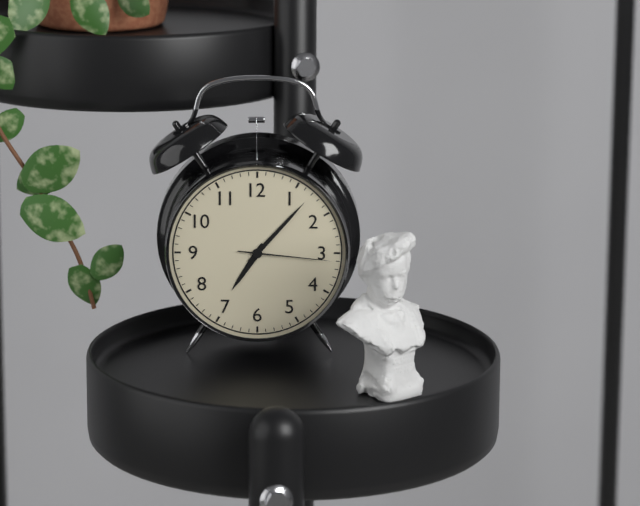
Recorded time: 7:07:16
